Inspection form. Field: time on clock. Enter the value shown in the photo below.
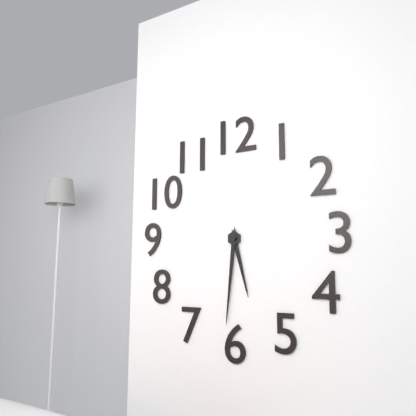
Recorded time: 5:31
